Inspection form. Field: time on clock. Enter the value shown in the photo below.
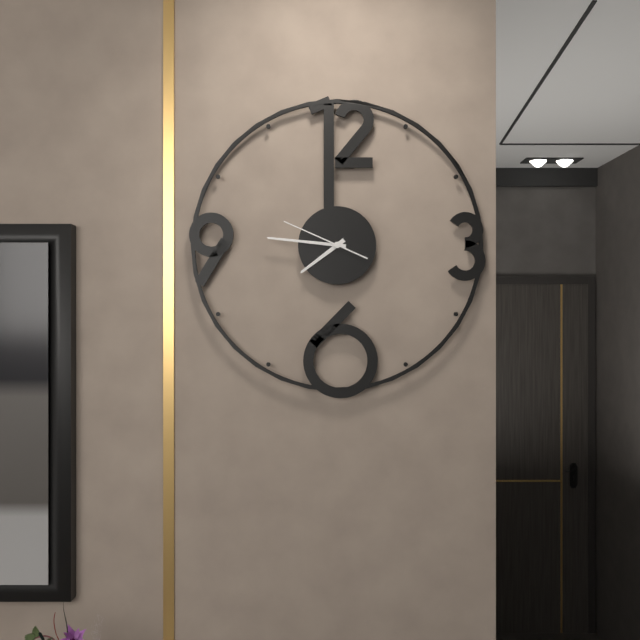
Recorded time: 7:46:49
